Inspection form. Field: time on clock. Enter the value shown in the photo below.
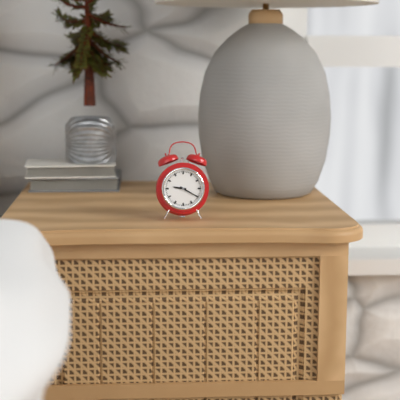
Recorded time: 9:20
